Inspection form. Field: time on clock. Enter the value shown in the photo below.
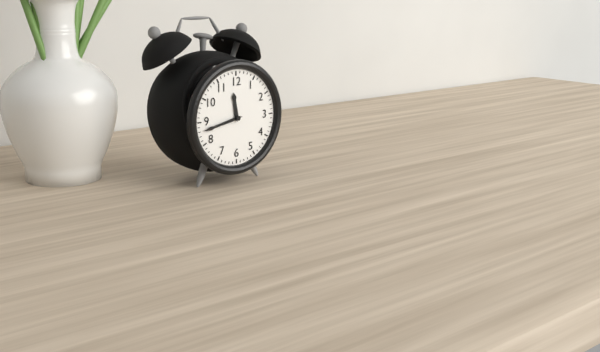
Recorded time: 11:43
